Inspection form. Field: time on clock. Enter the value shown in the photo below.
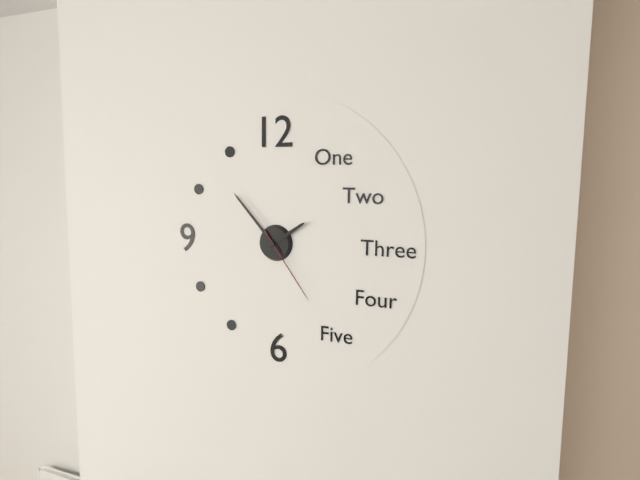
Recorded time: 1:53:24
